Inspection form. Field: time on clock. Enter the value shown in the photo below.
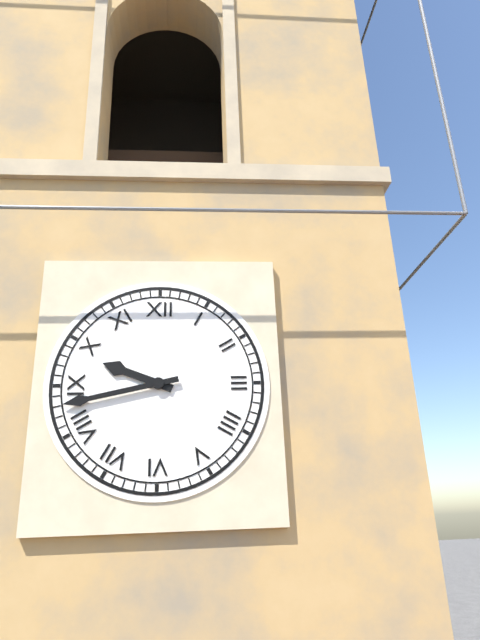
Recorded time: 9:43
